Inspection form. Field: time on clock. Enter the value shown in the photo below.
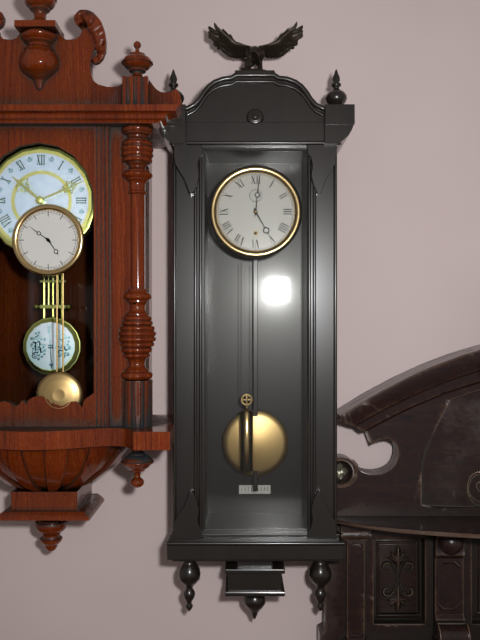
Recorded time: 5:01
